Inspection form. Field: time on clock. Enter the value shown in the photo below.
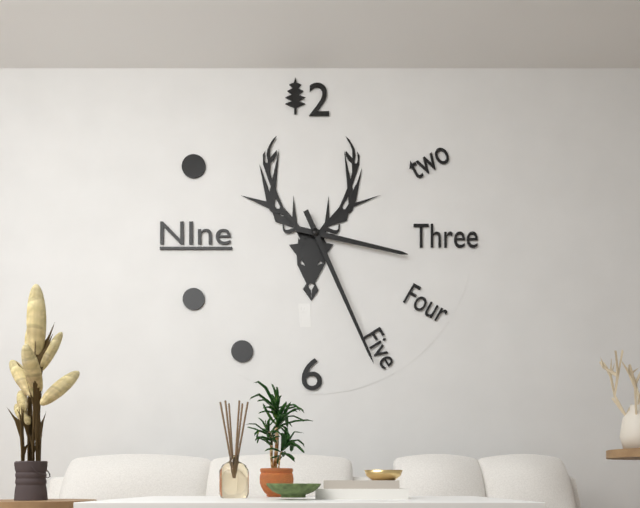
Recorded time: 3:26
